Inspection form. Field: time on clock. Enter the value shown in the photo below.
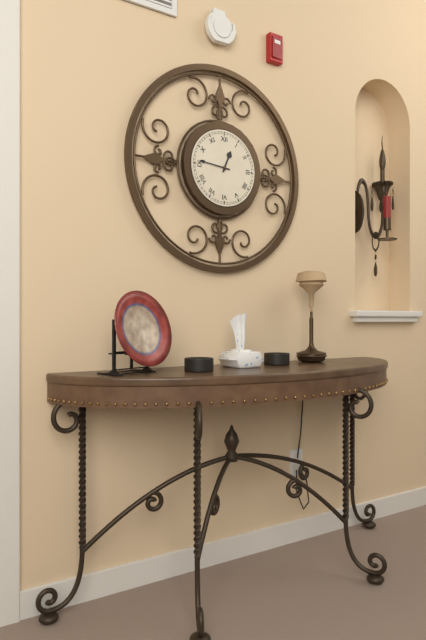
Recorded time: 12:46
